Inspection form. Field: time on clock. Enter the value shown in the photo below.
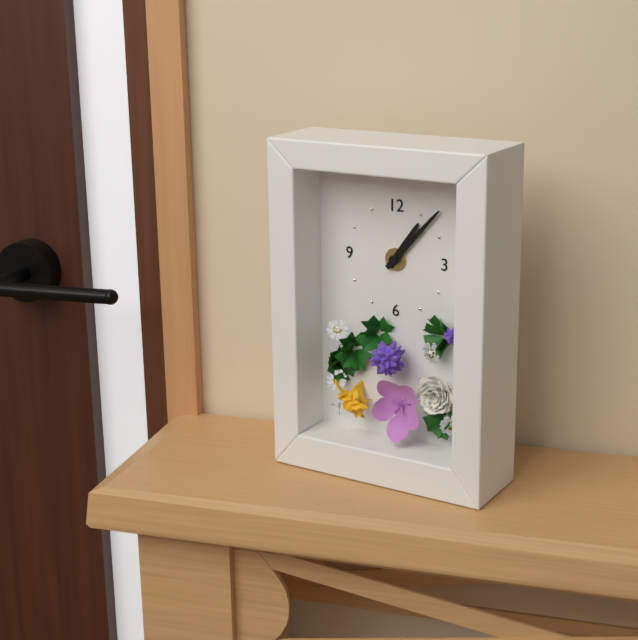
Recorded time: 1:07
